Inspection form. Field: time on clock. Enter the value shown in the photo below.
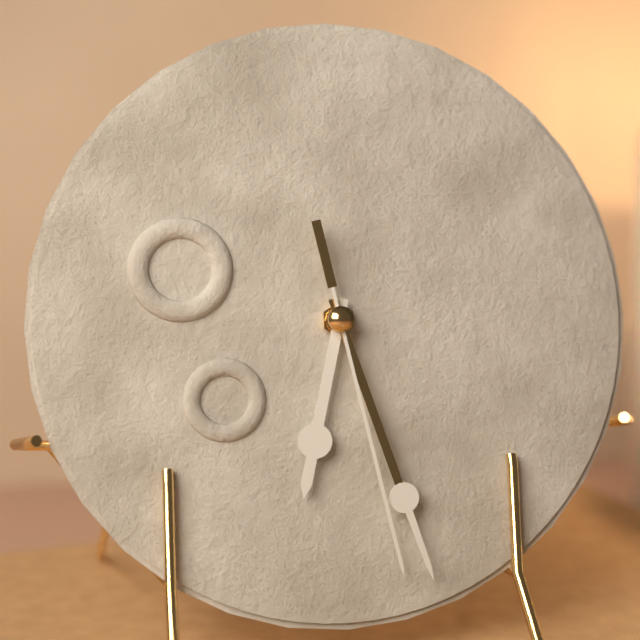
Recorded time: 6:27:28
